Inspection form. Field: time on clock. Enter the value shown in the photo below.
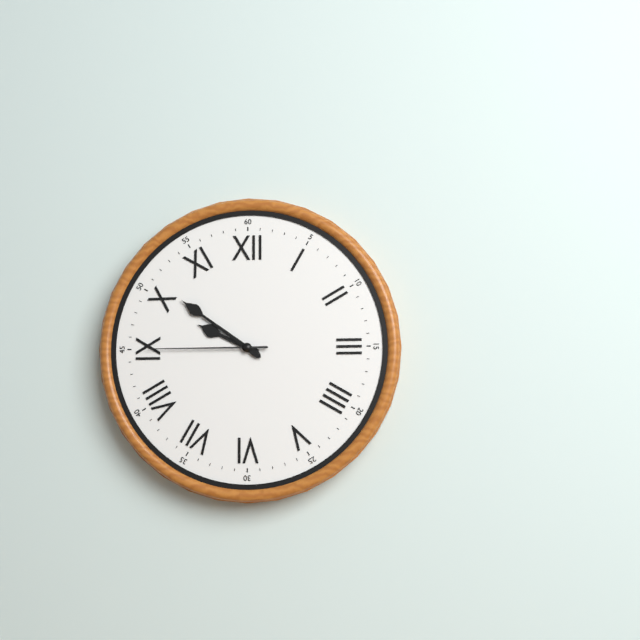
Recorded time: 9:51:45
